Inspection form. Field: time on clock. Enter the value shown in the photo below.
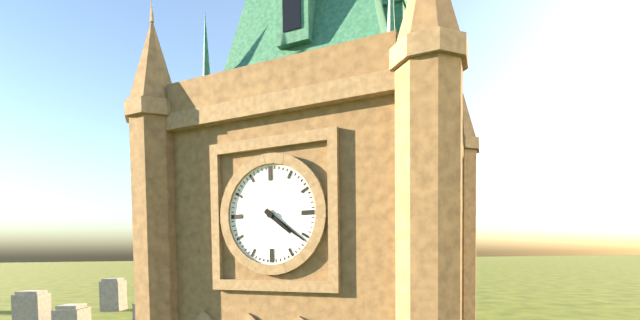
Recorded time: 4:21
